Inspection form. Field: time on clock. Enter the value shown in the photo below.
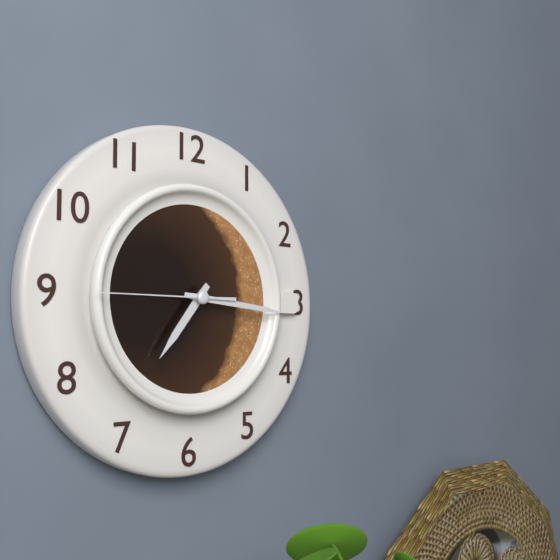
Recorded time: 7:16:45
